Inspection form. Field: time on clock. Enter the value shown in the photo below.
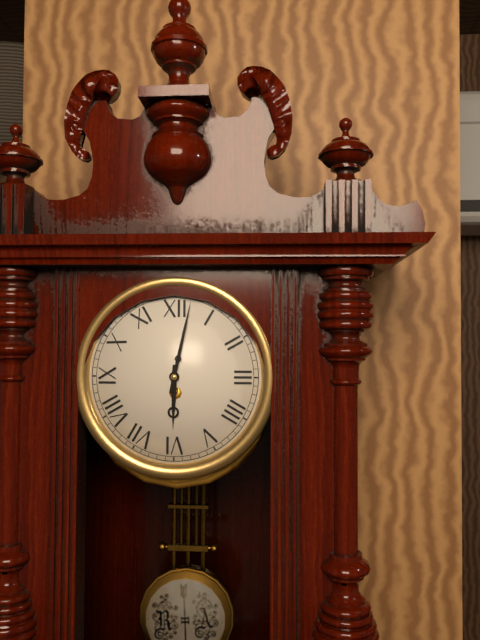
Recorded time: 6:02
